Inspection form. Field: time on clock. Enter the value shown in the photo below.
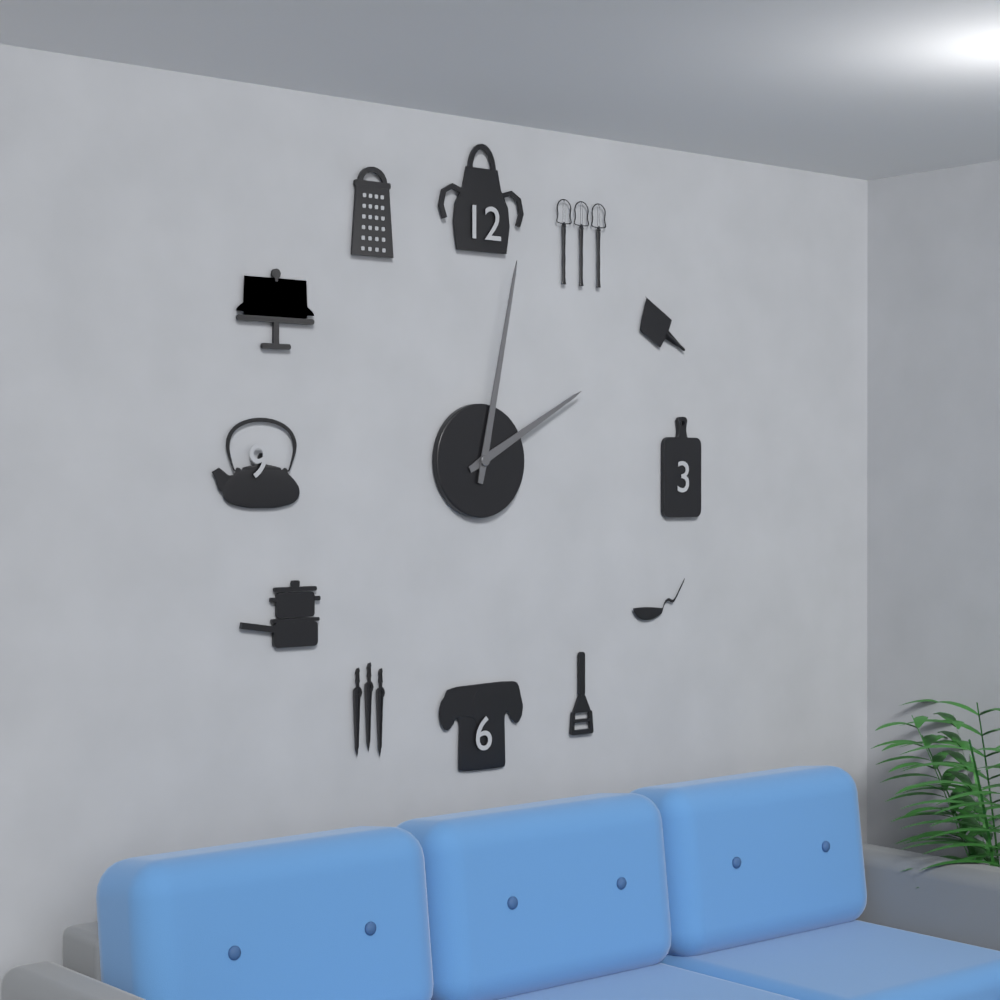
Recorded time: 2:02
